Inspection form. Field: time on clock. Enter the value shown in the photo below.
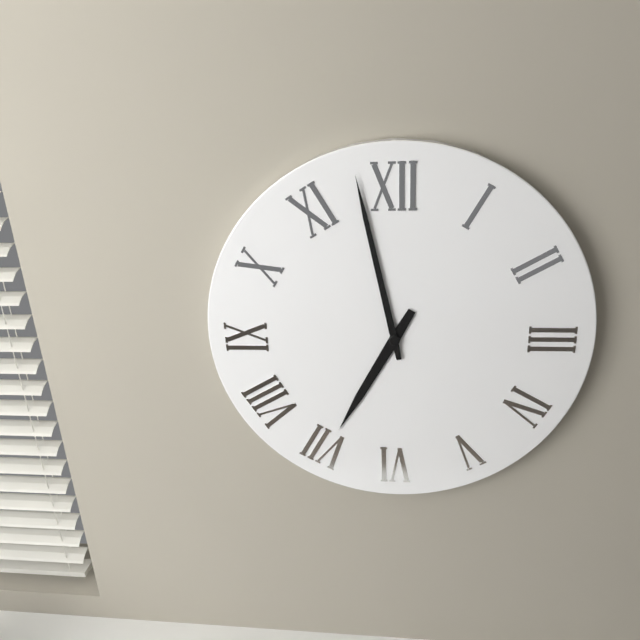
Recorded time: 6:58
